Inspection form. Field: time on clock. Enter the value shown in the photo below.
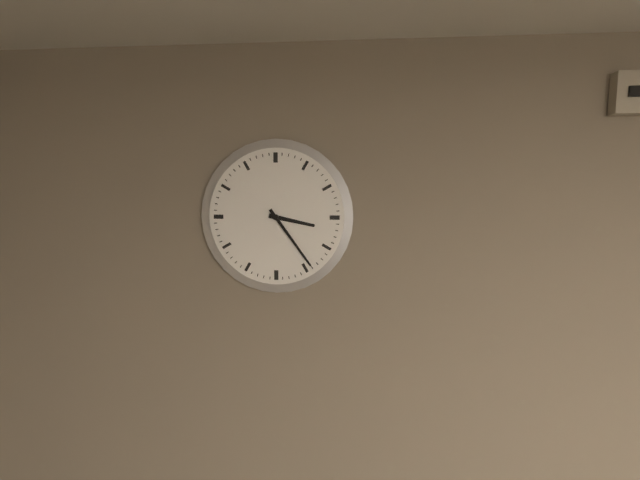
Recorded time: 3:24
